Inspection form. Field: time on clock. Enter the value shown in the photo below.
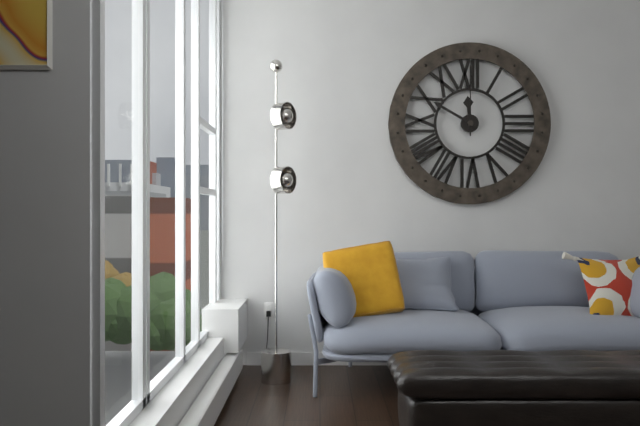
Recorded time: 11:50:00
